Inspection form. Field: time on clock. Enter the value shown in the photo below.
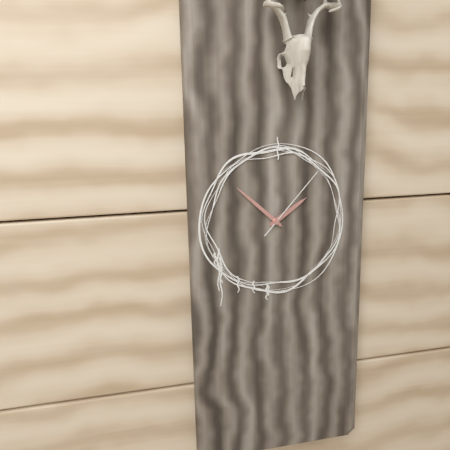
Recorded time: 1:52:07
